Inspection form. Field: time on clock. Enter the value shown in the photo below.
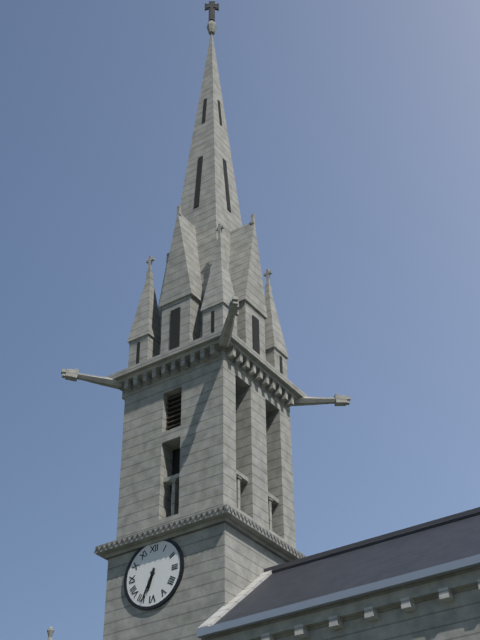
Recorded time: 6:34
